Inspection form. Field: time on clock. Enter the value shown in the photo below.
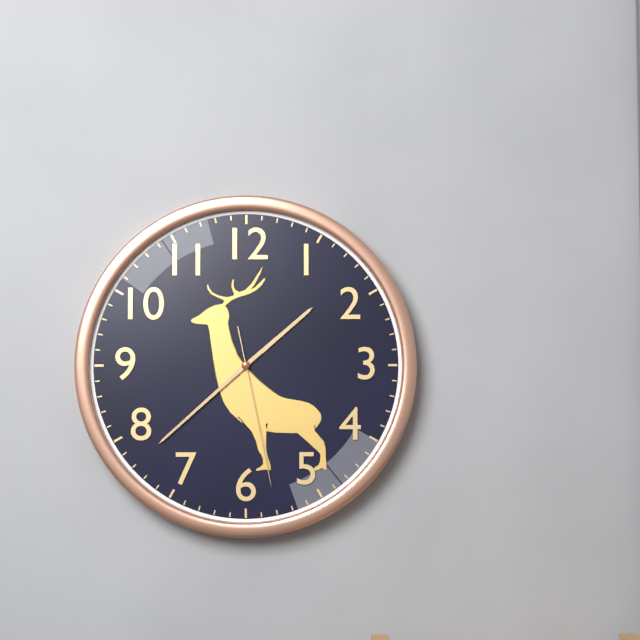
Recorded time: 1:38:28
